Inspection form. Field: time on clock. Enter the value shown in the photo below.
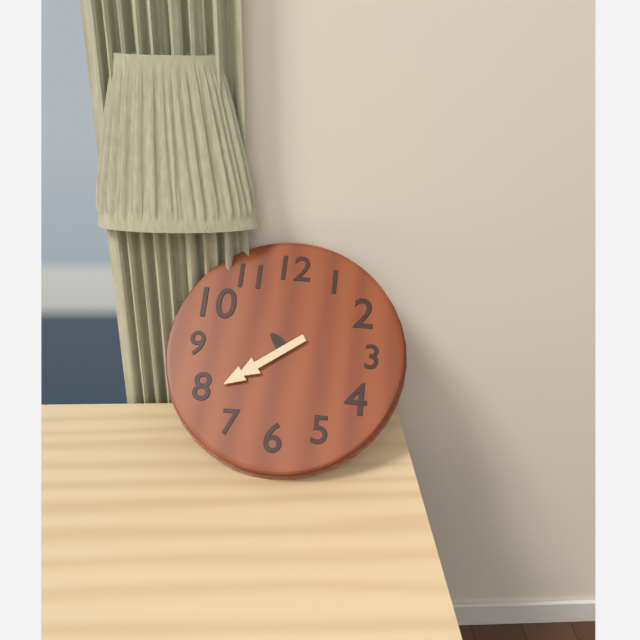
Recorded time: 10:39
